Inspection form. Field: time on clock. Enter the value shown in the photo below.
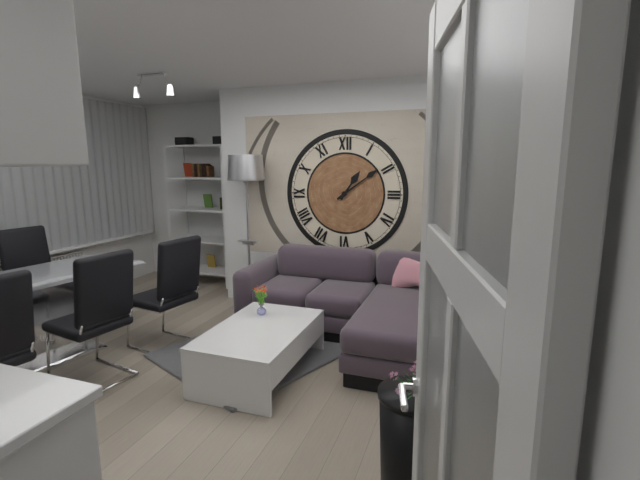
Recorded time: 1:09
